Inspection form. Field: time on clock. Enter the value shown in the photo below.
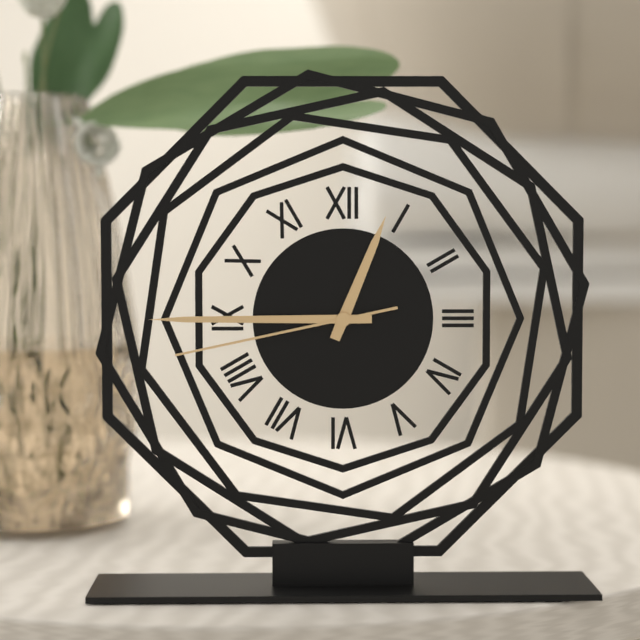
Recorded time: 12:45:43
